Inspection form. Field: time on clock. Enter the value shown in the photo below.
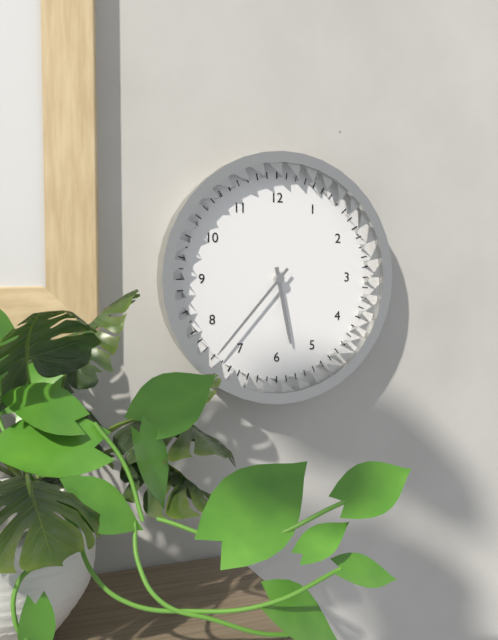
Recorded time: 5:37
